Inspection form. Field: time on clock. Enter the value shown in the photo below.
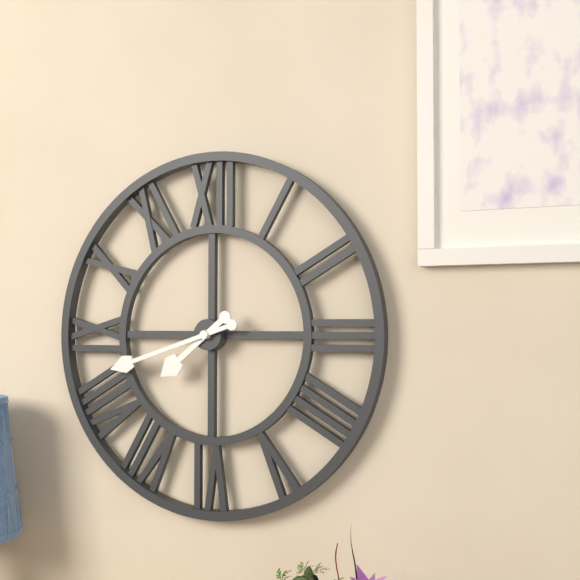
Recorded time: 7:42
